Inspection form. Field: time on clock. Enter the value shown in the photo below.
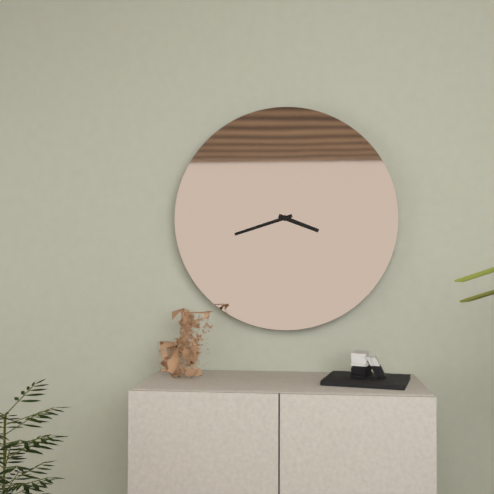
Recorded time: 3:42
